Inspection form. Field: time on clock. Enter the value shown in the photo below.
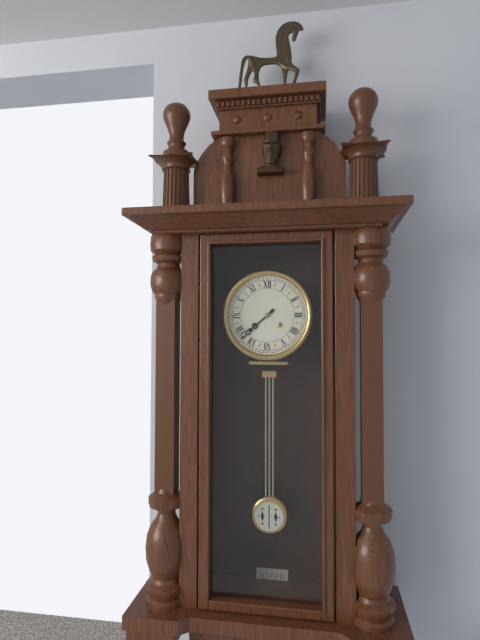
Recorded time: 7:38
